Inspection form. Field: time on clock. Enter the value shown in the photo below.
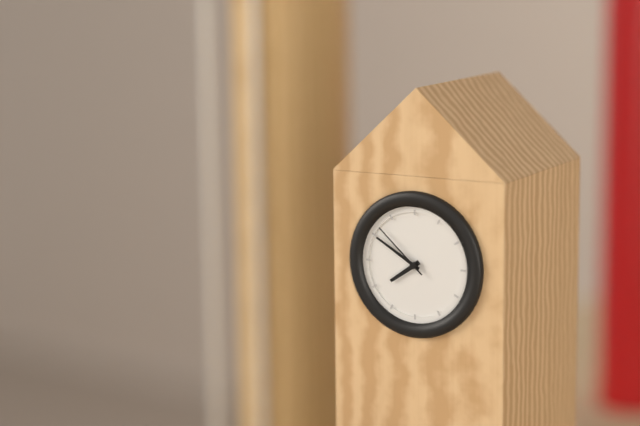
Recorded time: 7:50:52
